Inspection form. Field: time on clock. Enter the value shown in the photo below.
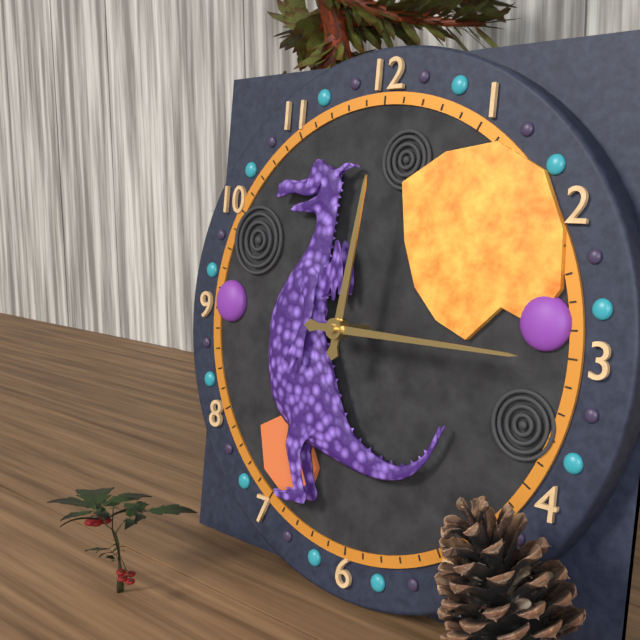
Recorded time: 12:15
